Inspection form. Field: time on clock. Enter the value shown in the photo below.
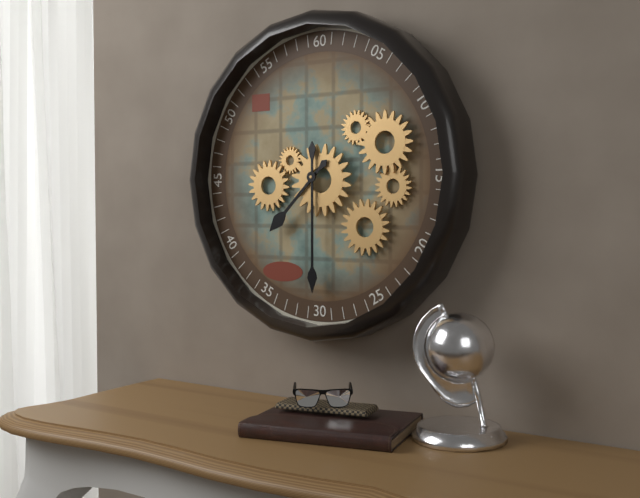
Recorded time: 7:30
